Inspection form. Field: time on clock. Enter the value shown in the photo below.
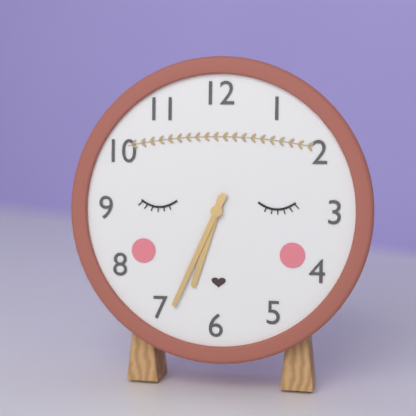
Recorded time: 6:34
